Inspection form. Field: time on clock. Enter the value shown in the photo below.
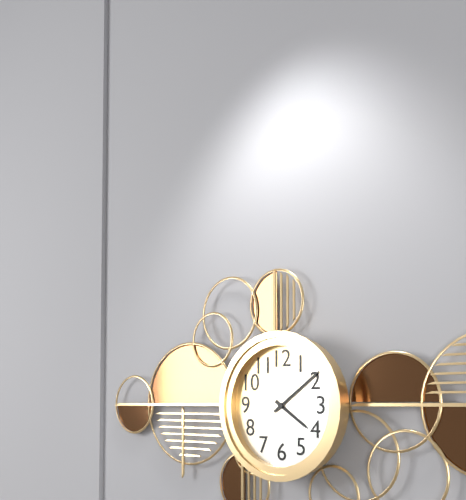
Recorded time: 4:09
